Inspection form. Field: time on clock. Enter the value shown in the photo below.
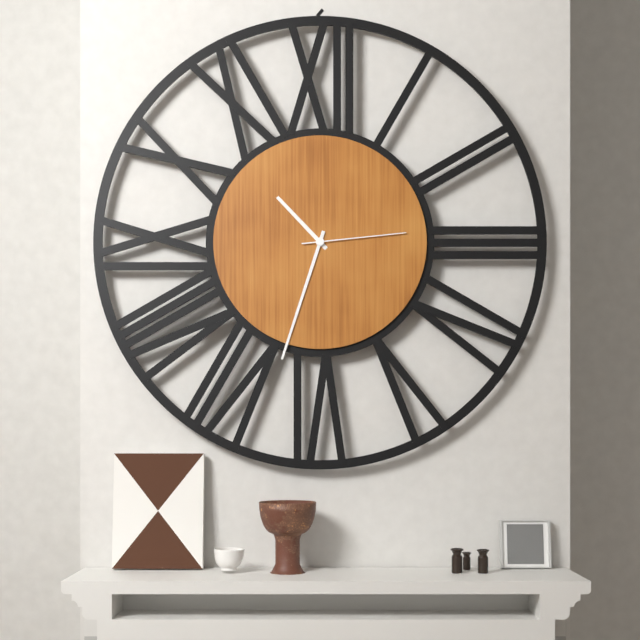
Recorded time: 10:33:14
